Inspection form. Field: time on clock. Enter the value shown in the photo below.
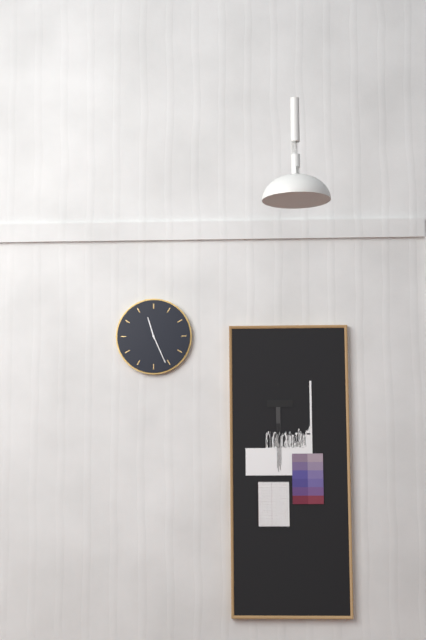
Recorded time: 11:26
